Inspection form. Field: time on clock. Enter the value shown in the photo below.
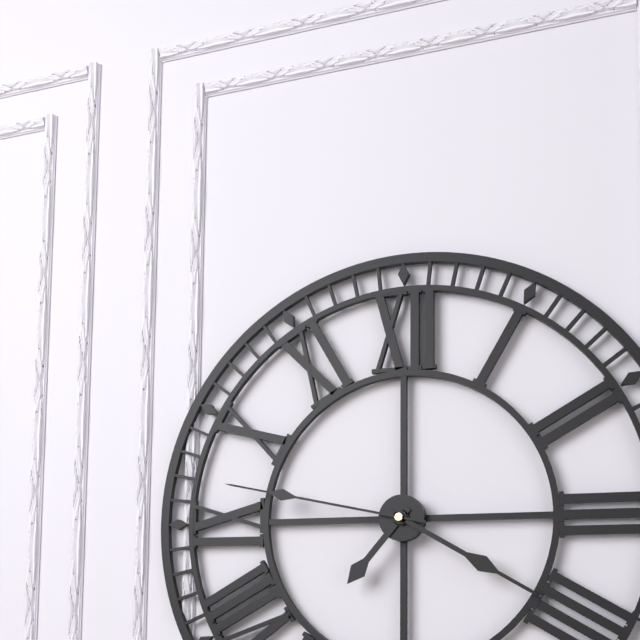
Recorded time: 7:20:47
